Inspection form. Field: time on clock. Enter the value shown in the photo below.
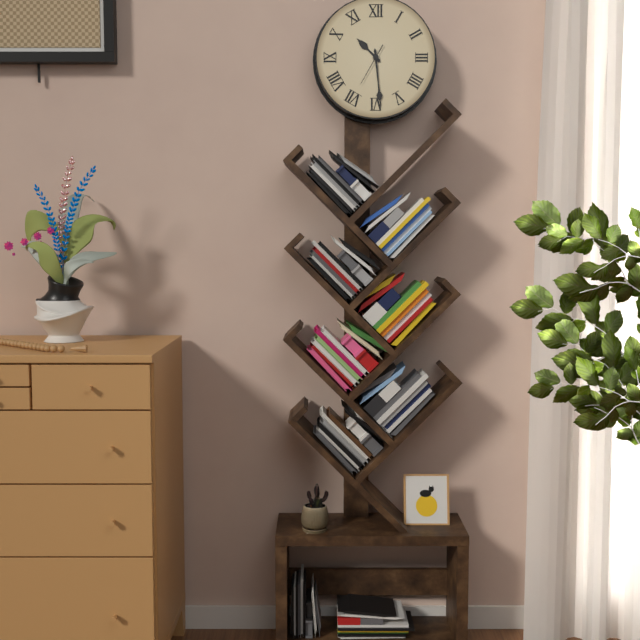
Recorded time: 10:29
